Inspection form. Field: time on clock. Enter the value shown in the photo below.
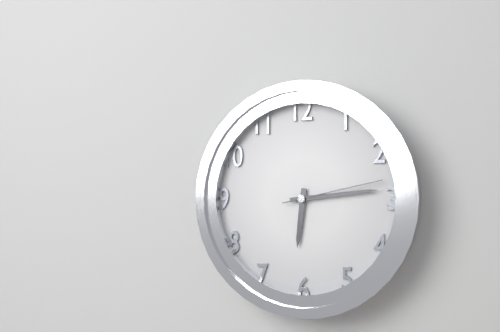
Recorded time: 6:14:13
